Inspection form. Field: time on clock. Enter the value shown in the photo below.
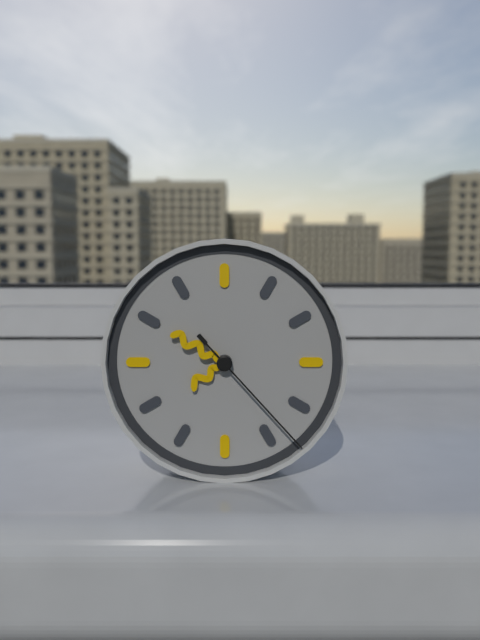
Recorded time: 7:50:23
